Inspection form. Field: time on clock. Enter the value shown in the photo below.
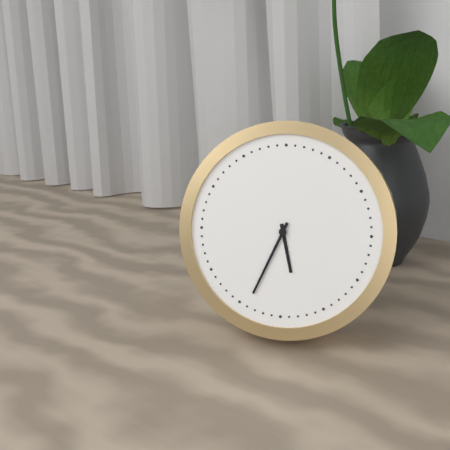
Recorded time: 5:34
